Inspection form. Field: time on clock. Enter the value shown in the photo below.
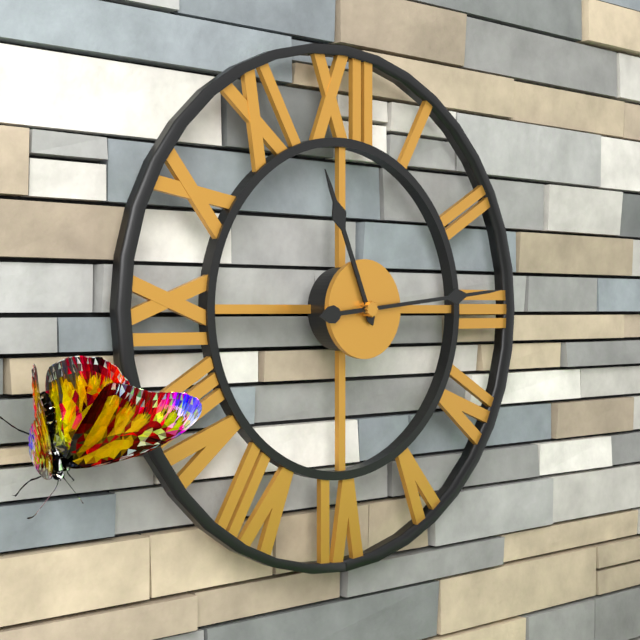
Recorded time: 11:14
